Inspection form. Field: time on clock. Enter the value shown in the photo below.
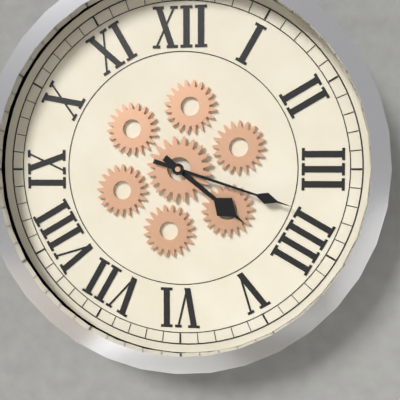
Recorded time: 4:18
